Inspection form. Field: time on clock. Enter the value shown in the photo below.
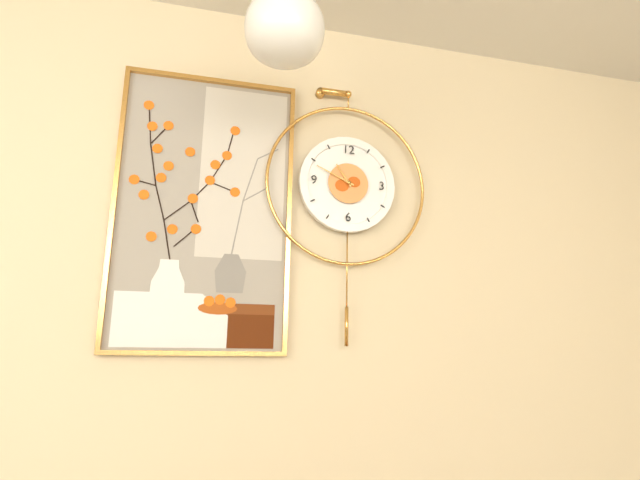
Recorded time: 10:49
